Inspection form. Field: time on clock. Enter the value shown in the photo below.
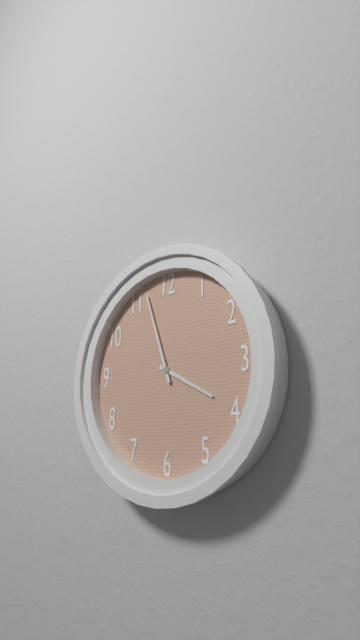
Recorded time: 3:57
